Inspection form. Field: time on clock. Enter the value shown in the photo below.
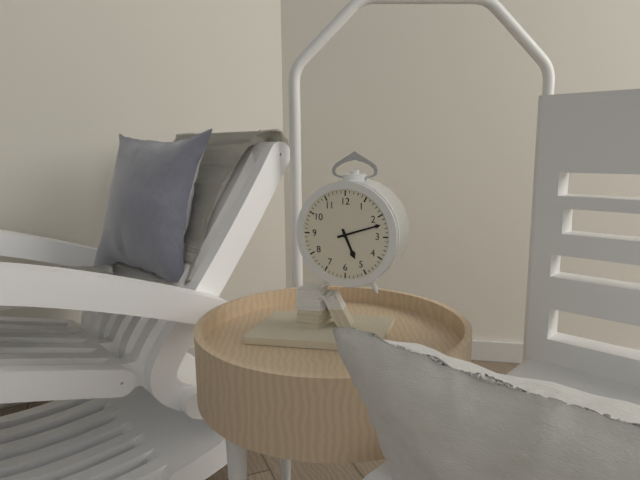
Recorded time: 5:12
